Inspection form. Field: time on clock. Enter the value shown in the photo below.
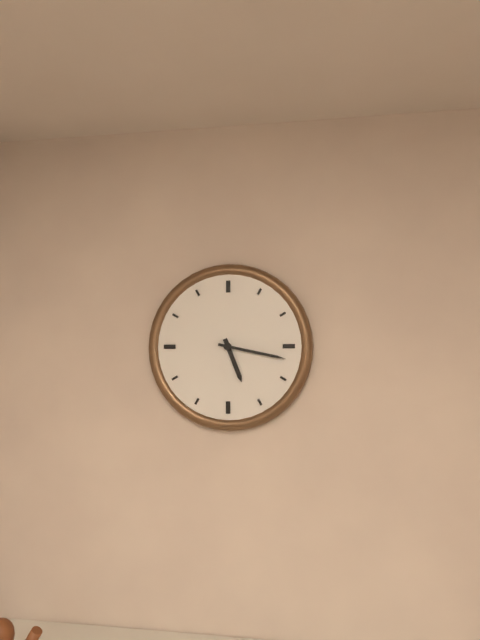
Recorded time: 5:17
